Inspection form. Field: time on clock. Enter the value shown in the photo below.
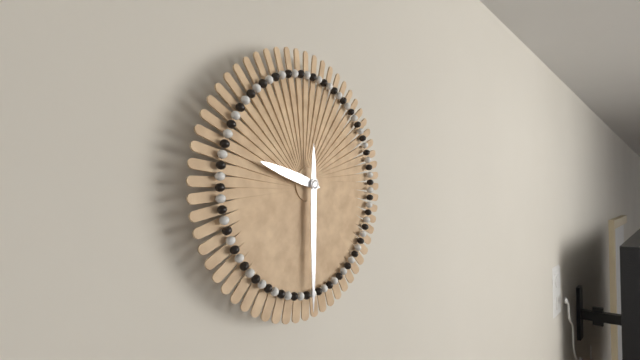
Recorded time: 9:30
